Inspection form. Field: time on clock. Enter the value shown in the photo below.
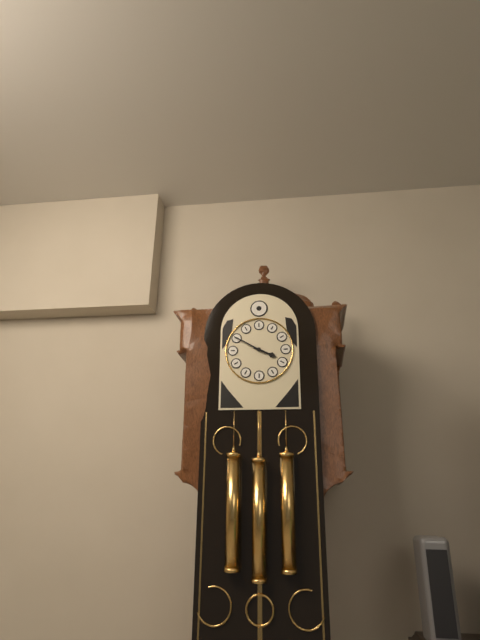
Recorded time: 3:50
